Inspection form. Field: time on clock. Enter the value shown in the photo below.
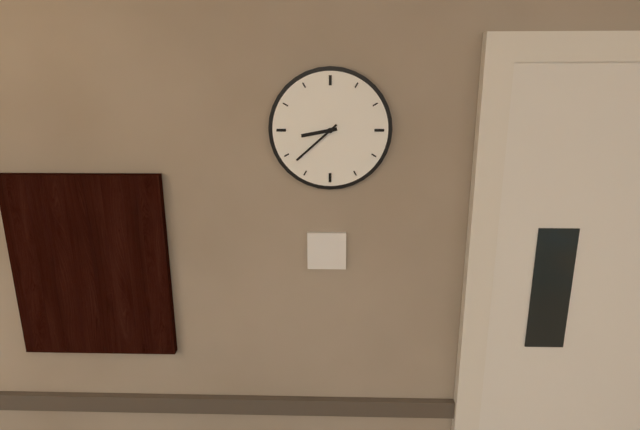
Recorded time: 8:38
